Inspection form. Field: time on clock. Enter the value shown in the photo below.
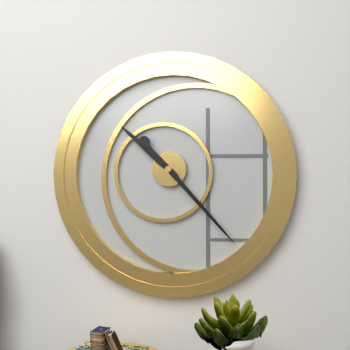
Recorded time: 10:23
